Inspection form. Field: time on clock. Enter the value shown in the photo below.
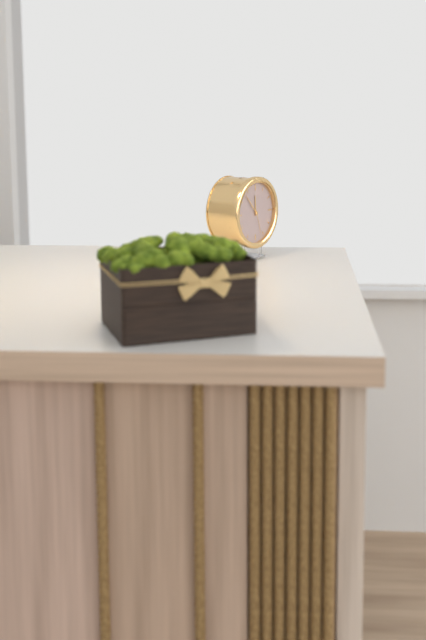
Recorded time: 11:53
